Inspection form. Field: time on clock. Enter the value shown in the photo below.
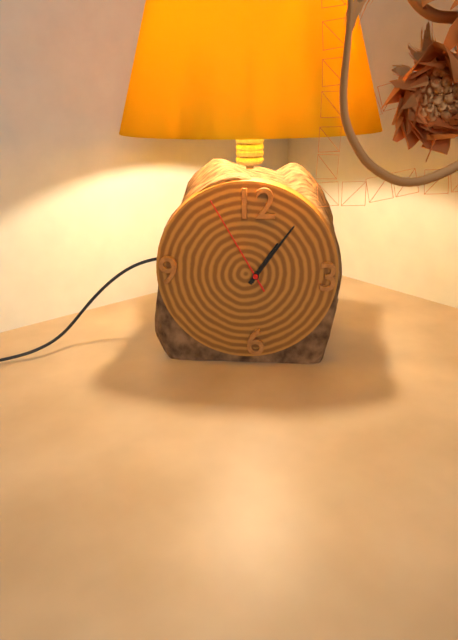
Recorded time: 1:06:55
